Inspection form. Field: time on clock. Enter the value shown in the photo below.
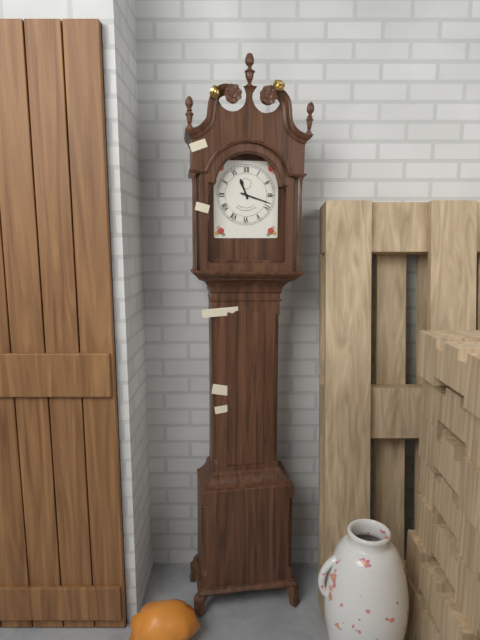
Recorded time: 11:18
